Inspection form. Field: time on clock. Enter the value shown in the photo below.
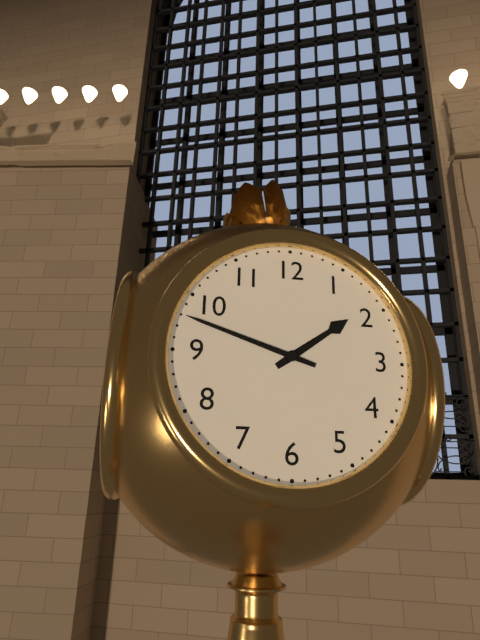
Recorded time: 1:48
